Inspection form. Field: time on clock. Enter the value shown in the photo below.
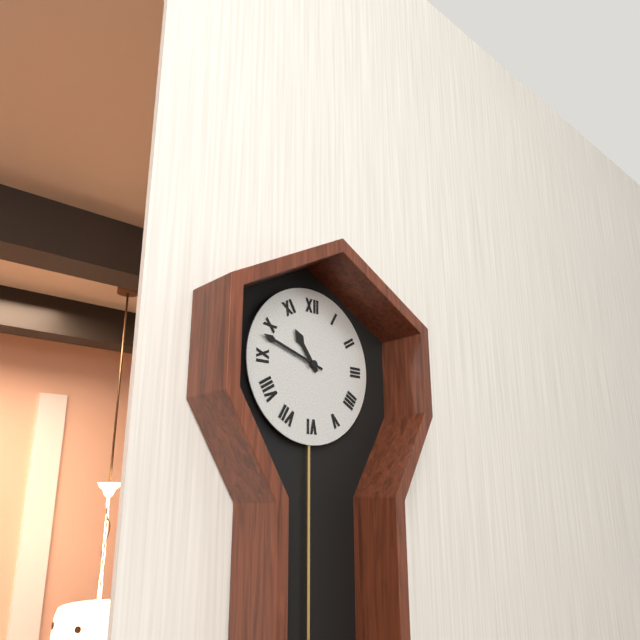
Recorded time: 10:48
